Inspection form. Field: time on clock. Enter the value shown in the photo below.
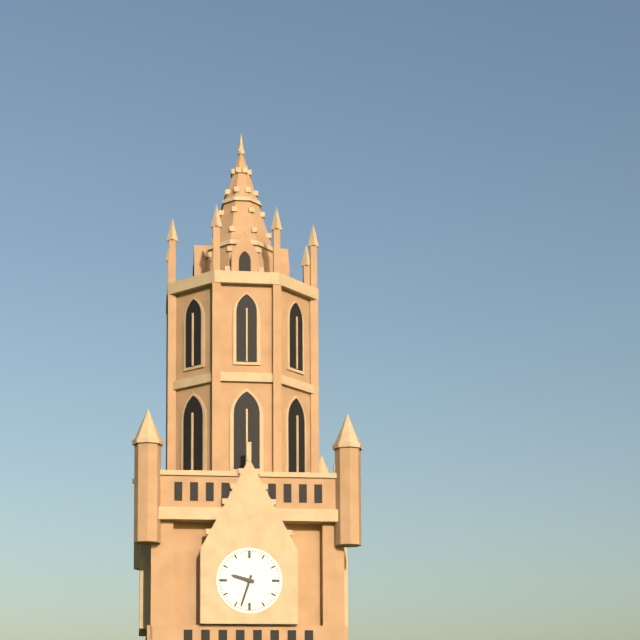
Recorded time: 9:33
